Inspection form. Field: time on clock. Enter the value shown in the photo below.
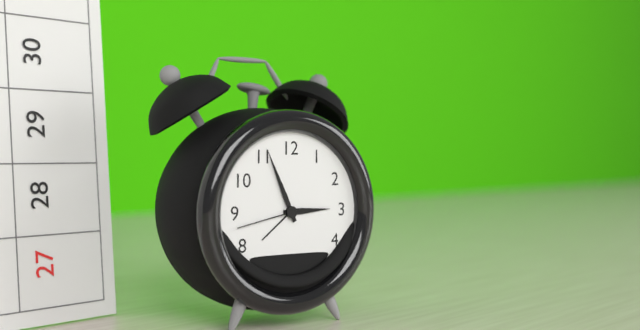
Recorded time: 2:56:43
